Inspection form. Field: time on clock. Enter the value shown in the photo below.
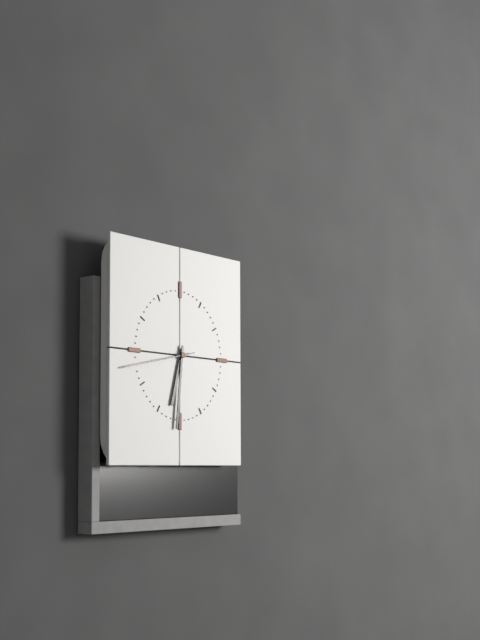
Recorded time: 6:31:43
